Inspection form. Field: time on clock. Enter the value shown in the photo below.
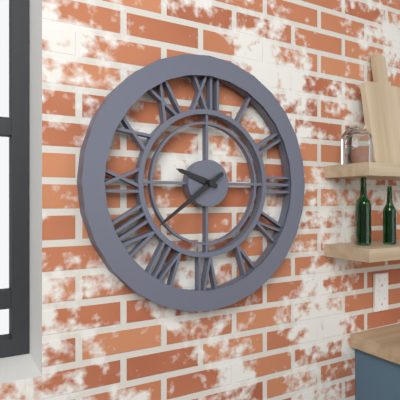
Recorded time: 9:39
